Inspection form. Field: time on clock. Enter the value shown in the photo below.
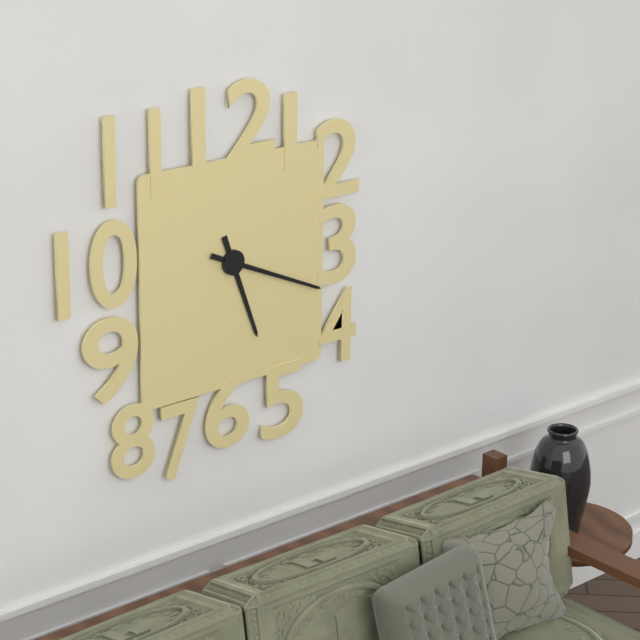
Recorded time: 5:19
